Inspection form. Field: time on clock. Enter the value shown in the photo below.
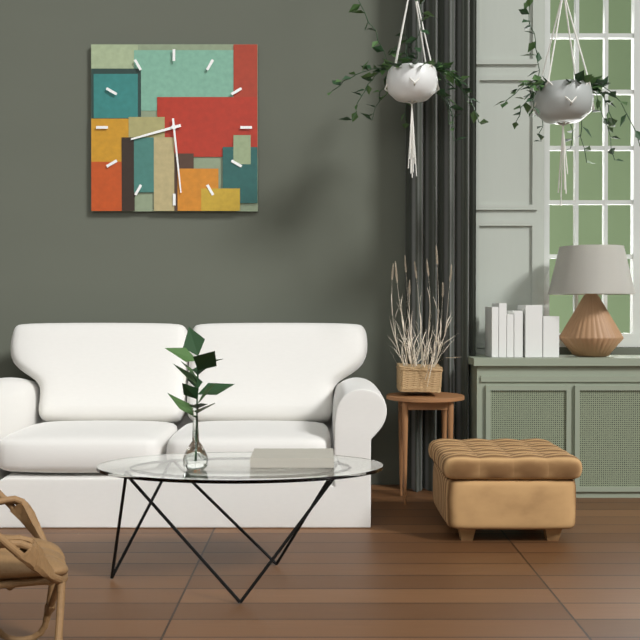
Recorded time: 8:29
